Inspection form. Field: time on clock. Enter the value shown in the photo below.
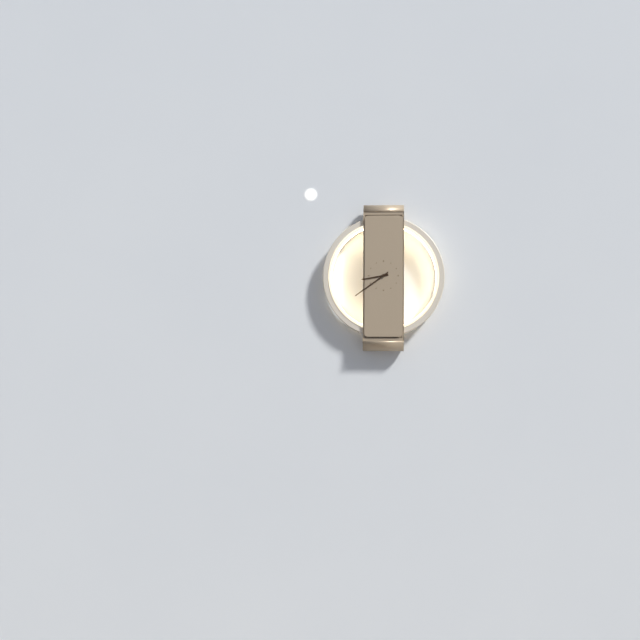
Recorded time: 8:39
